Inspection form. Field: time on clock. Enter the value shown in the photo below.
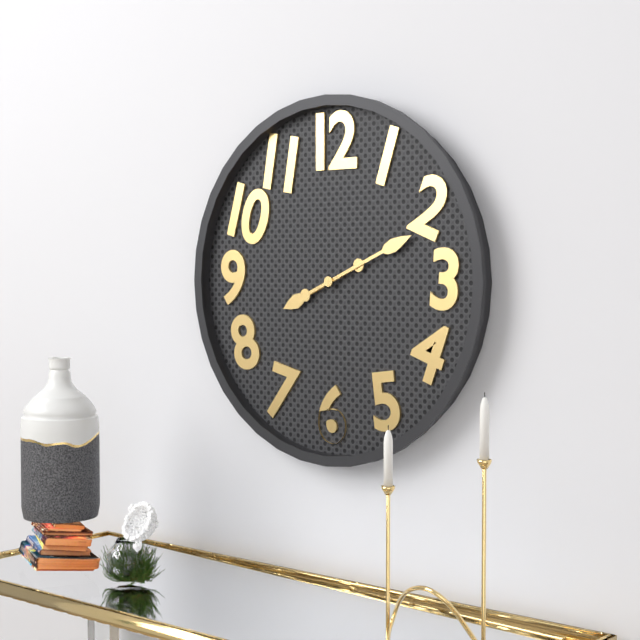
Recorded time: 8:11
